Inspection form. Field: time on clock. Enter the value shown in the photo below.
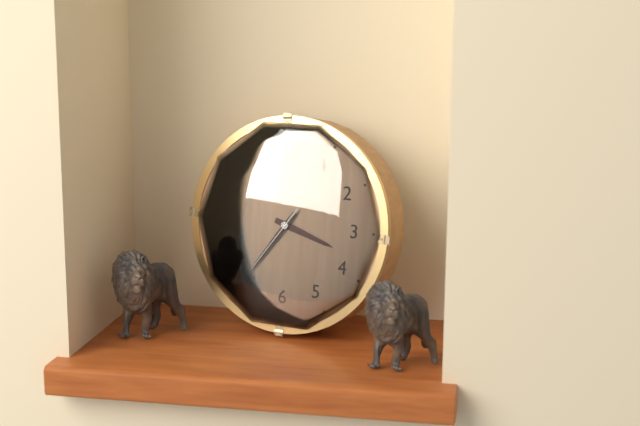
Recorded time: 3:36:36
